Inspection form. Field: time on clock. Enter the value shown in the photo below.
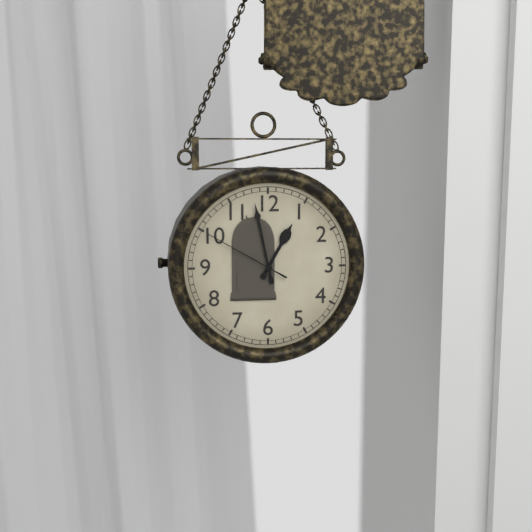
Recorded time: 12:58:50
